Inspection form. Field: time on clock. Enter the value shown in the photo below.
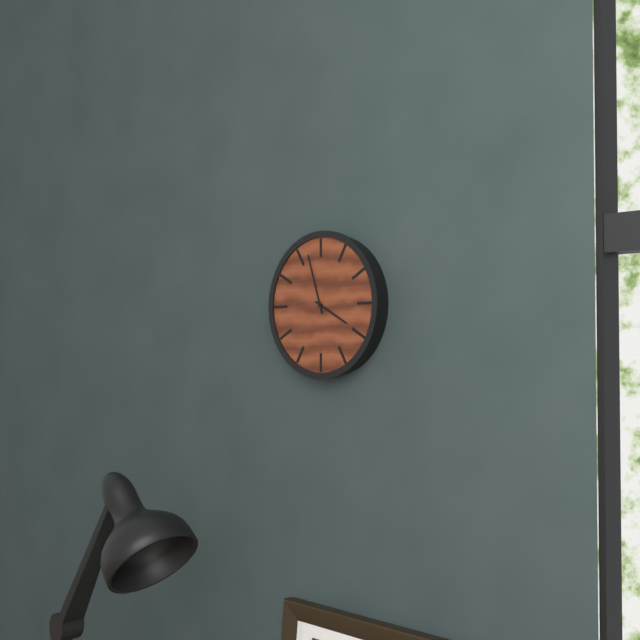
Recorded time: 3:57
